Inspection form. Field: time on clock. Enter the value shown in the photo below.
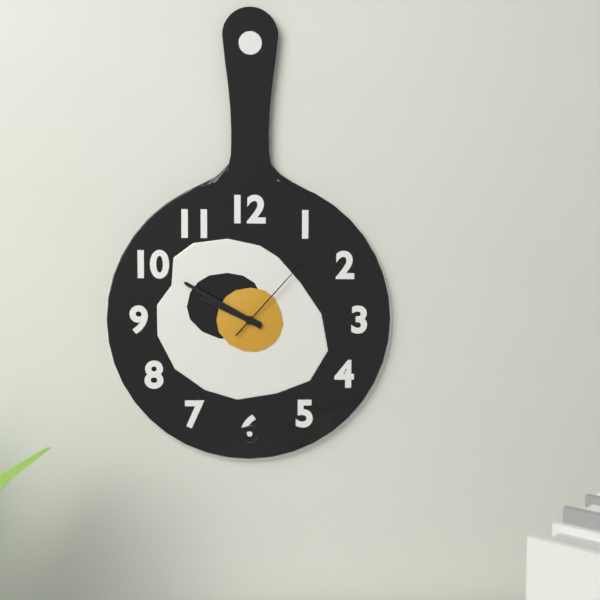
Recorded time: 9:50:07
